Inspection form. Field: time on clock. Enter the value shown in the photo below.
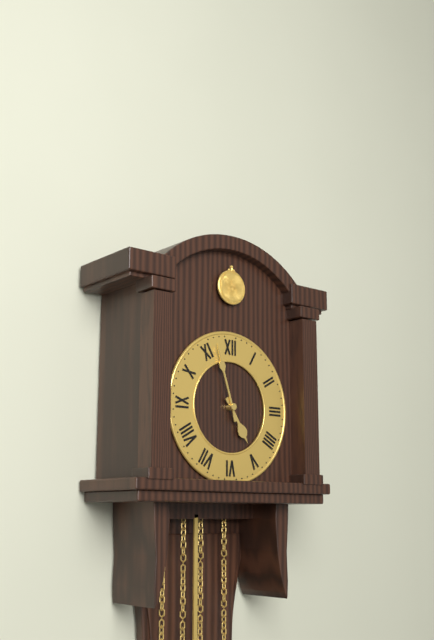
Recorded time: 4:57
